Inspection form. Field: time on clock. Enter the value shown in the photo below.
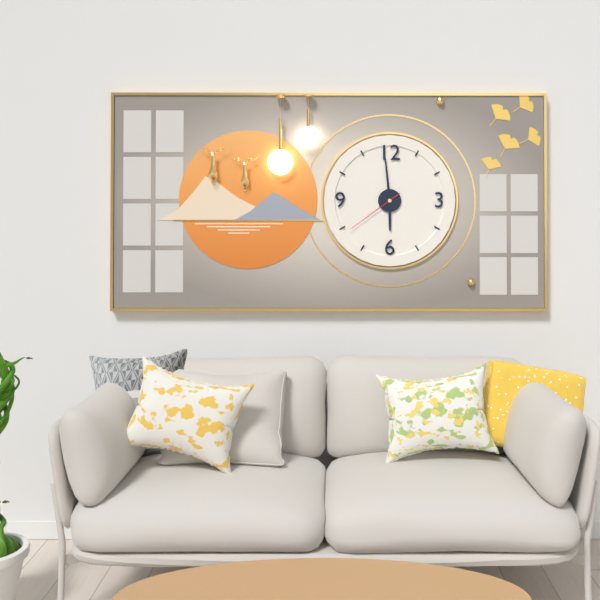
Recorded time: 5:59:39
